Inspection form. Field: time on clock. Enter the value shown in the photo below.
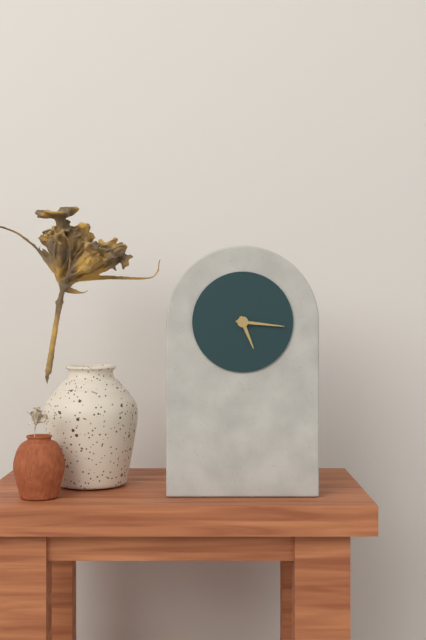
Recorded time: 5:16
